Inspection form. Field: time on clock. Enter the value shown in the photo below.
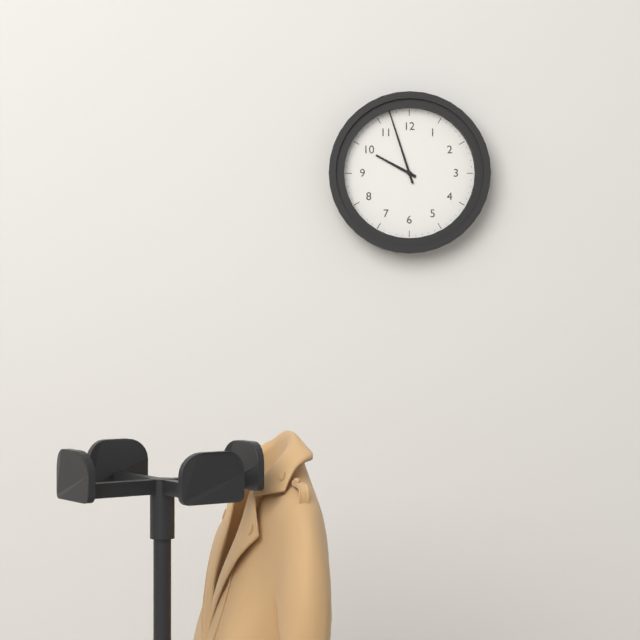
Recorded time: 9:57
